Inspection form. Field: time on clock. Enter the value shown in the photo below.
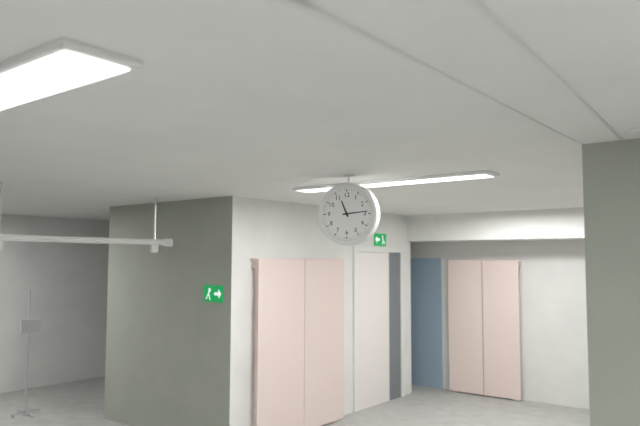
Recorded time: 11:14
